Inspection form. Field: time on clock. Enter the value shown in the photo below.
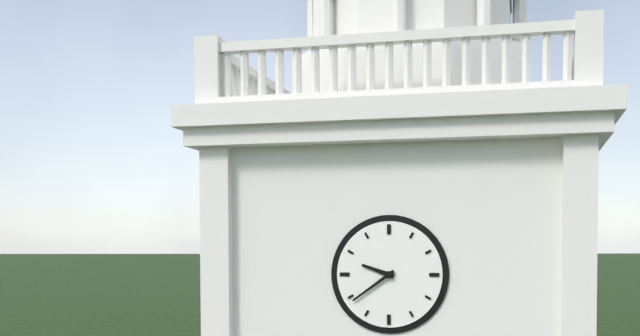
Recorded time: 9:39
